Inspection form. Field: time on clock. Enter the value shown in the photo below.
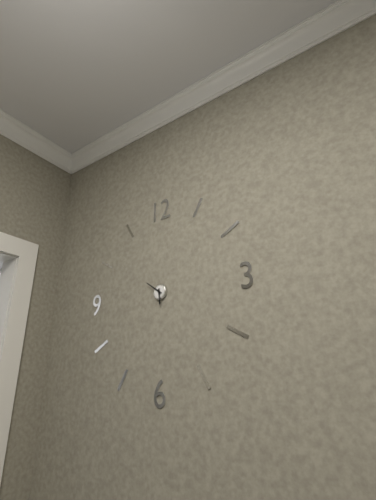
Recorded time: 5:51
